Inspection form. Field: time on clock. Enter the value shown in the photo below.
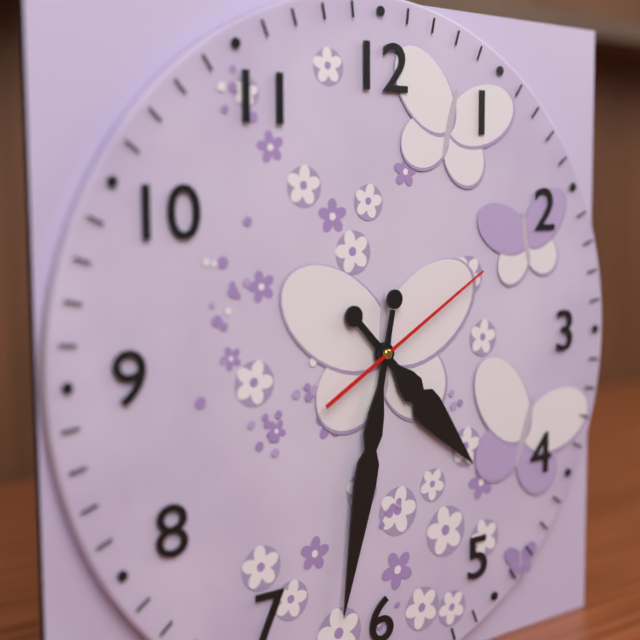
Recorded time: 4:32:10
